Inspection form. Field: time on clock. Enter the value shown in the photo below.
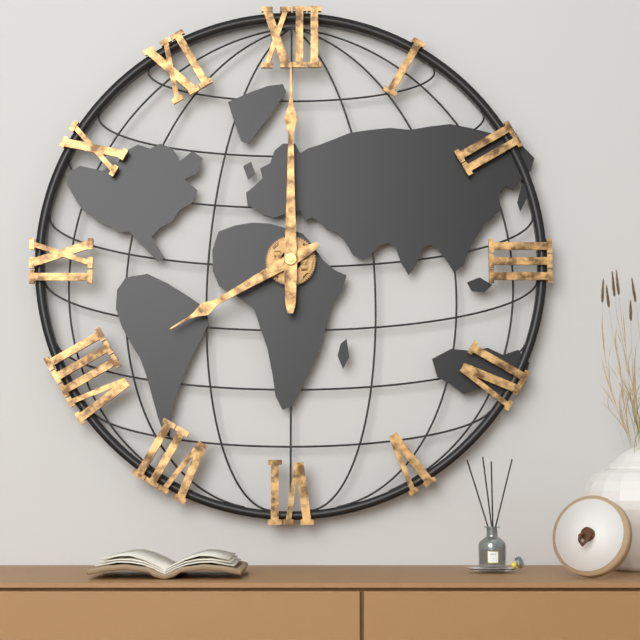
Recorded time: 8:00
